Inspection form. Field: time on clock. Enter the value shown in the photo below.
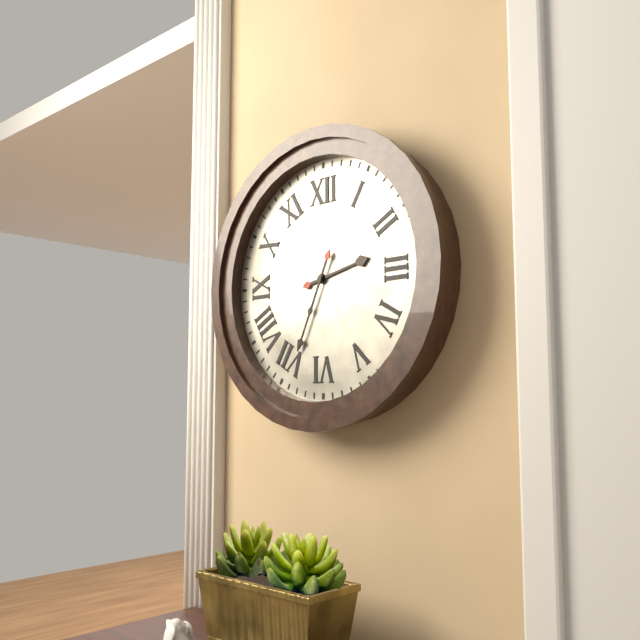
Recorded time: 2:34
